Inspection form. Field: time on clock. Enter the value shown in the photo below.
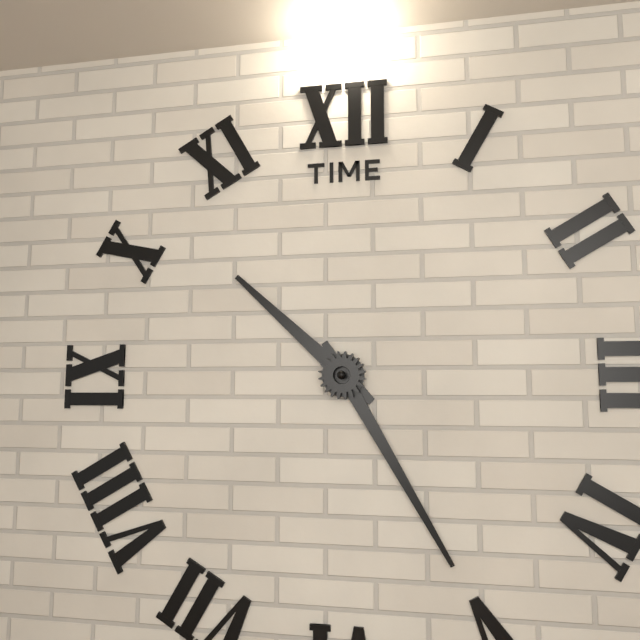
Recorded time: 10:25
